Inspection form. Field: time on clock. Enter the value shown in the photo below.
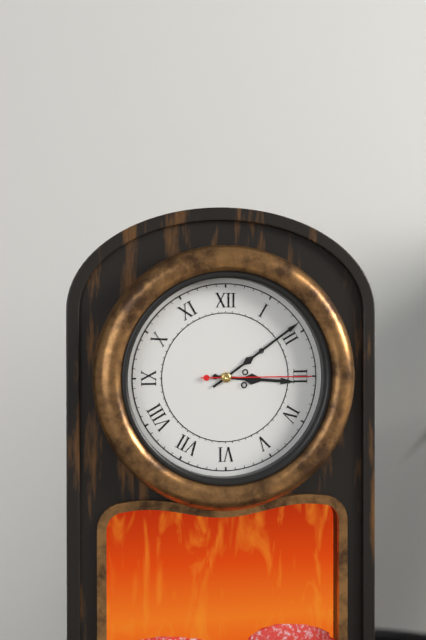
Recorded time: 3:09:15
